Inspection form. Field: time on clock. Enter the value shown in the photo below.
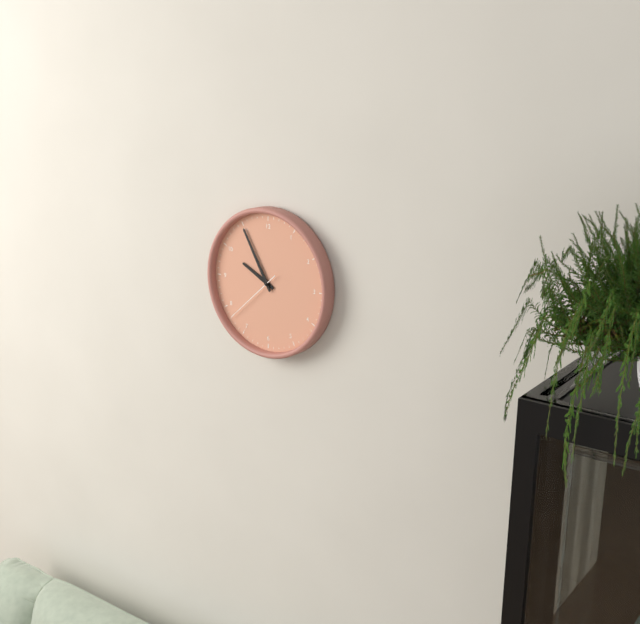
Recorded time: 9:55:38
